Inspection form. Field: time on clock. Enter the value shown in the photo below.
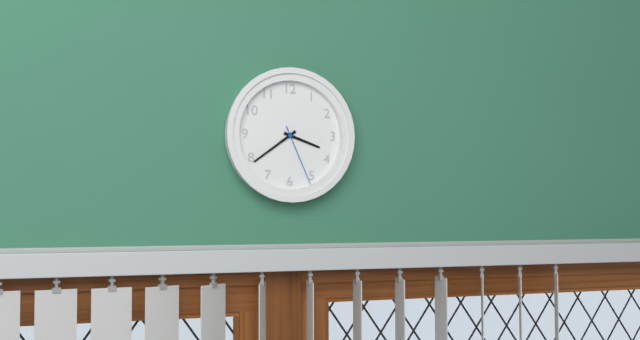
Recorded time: 3:39:26
